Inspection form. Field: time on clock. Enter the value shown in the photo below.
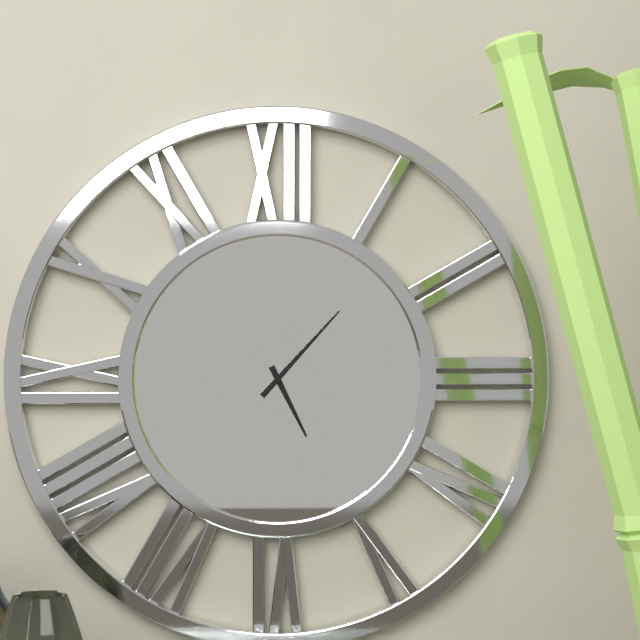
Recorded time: 5:07
